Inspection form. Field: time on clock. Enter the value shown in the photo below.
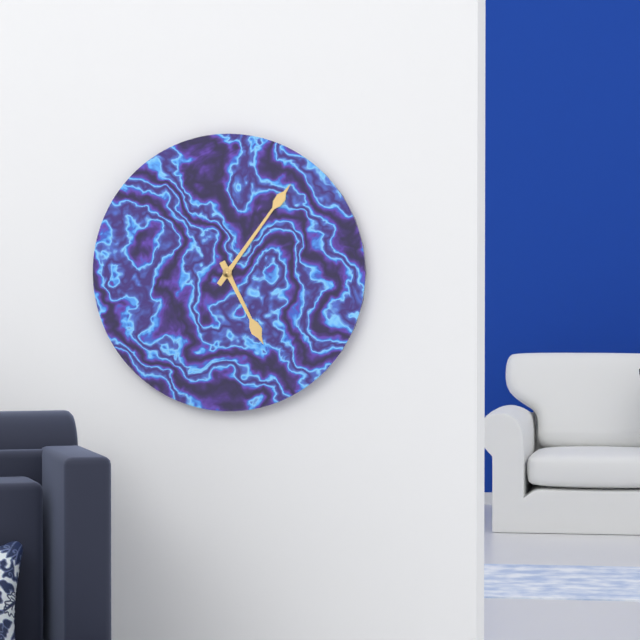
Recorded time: 5:06
